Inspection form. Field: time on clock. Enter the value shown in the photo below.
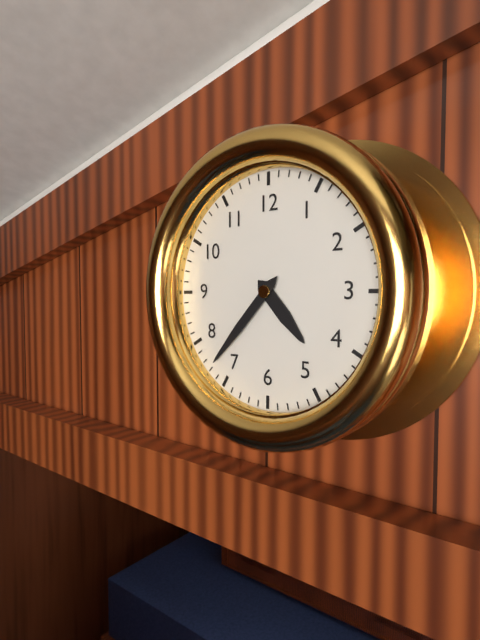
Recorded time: 4:37
